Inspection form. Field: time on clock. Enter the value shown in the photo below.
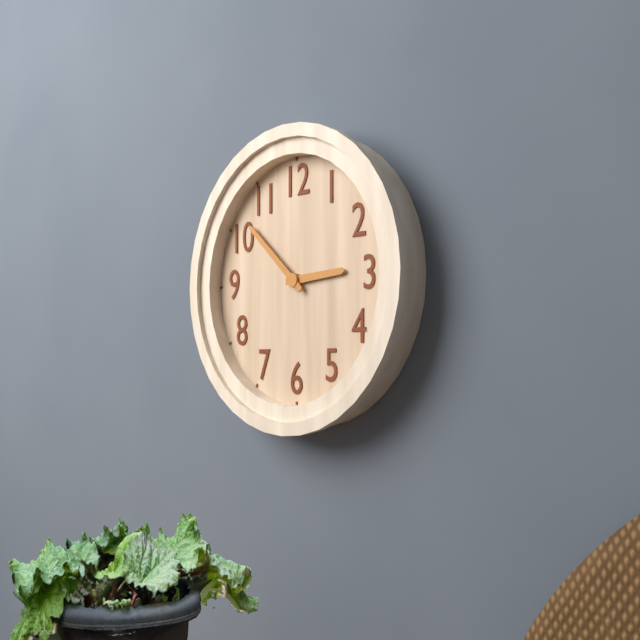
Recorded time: 2:52
